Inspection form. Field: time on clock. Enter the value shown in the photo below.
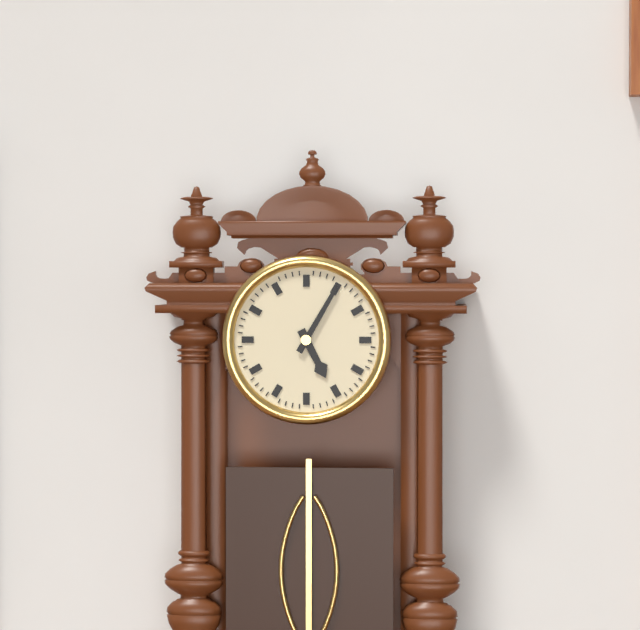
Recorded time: 5:05
